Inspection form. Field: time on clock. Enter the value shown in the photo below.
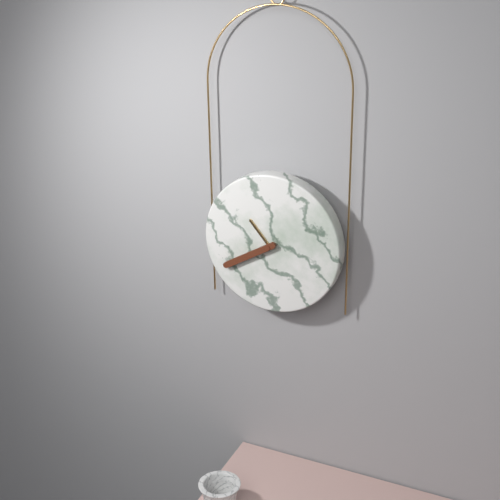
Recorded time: 10:40
